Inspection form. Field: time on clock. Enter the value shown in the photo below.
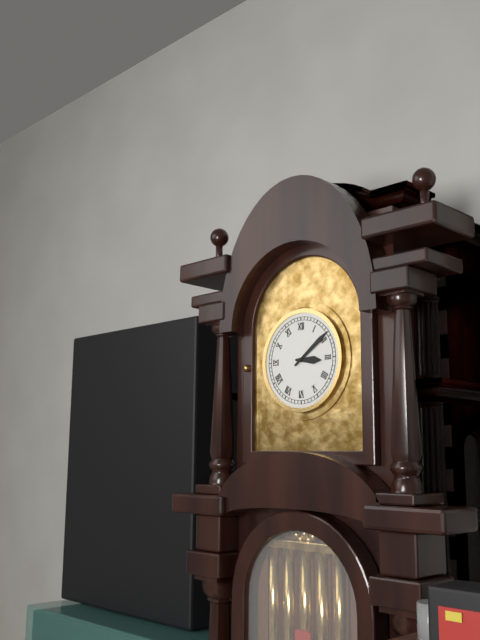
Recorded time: 3:09
